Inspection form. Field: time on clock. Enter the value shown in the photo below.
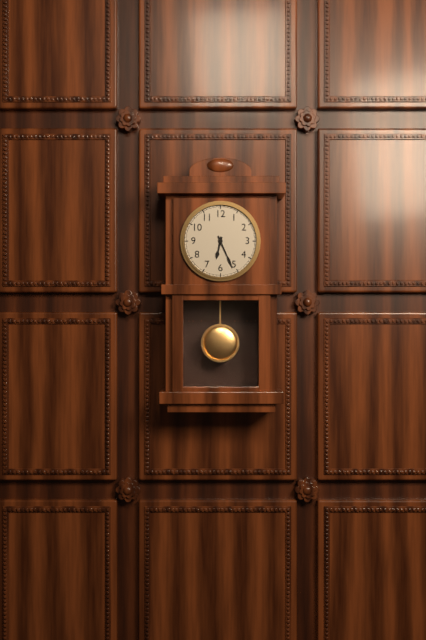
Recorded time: 6:26
